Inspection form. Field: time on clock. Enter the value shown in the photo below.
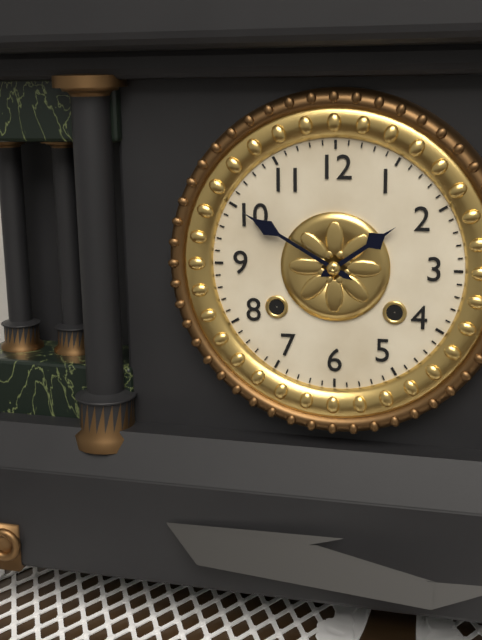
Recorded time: 1:50
